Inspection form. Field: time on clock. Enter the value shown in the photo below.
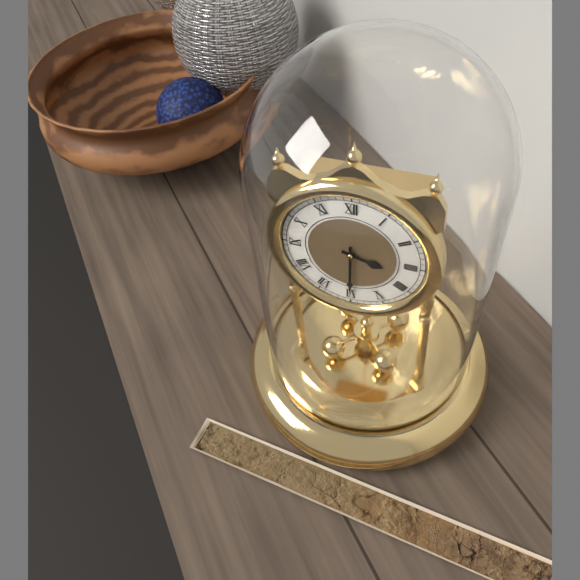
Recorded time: 3:30
